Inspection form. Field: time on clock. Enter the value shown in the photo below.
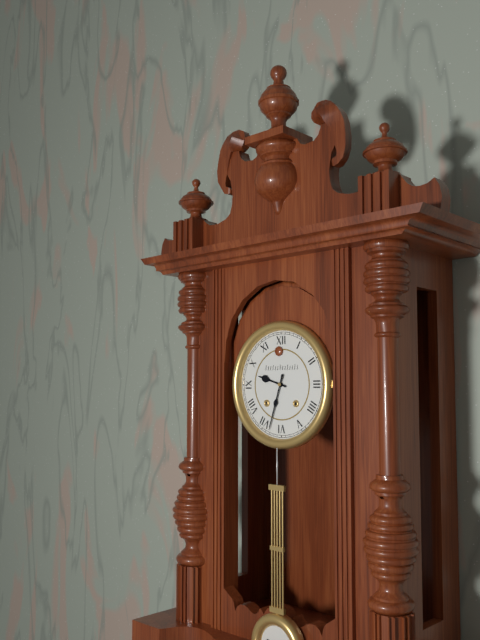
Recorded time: 9:33
